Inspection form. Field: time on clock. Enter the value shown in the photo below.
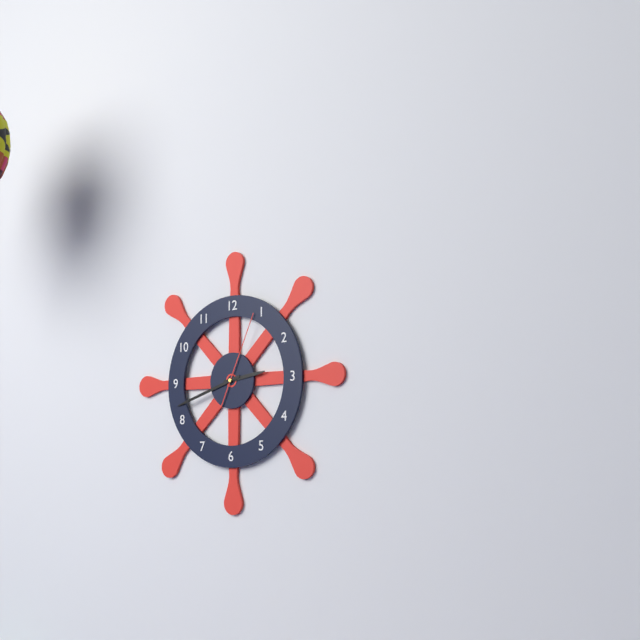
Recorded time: 2:42:04
